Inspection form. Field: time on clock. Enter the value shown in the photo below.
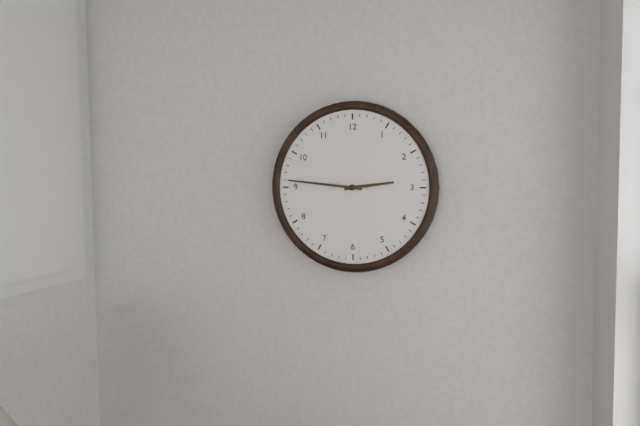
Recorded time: 2:46
